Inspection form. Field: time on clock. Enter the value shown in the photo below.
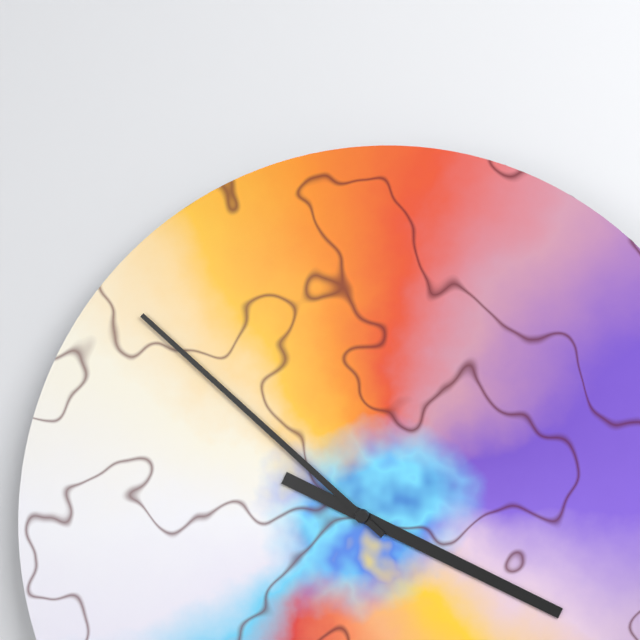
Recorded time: 3:52
